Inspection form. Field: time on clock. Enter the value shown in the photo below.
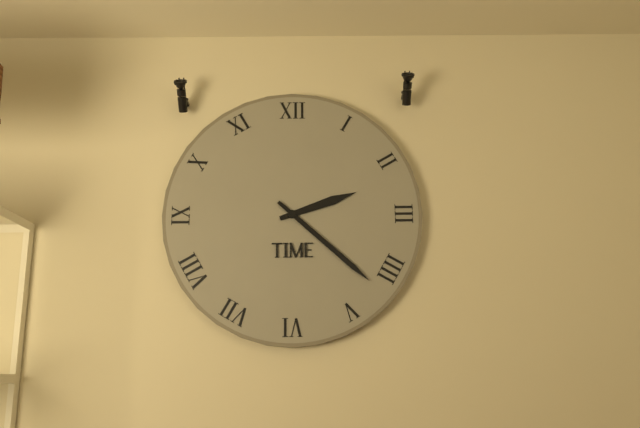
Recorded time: 2:22
